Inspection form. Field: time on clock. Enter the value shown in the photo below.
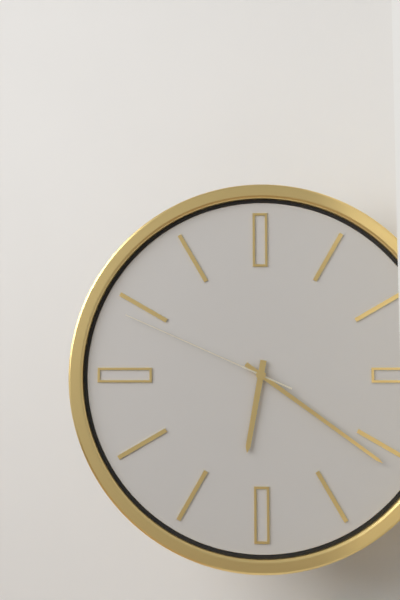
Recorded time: 6:21:49
